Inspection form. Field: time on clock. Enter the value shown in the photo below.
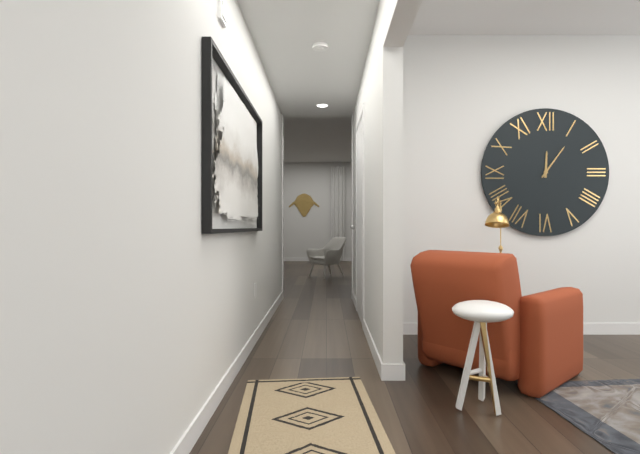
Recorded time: 12:06
